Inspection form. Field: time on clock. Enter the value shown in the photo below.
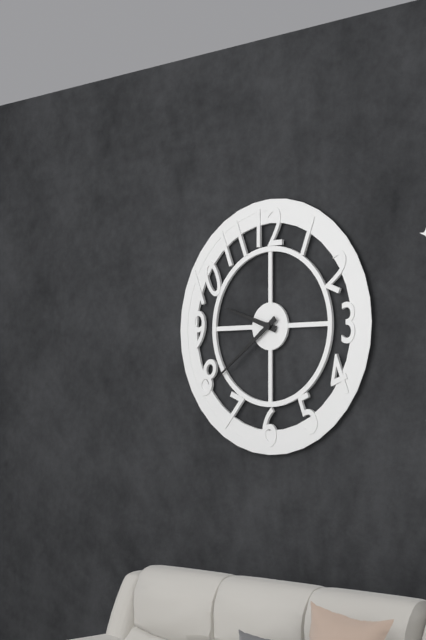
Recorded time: 9:39
